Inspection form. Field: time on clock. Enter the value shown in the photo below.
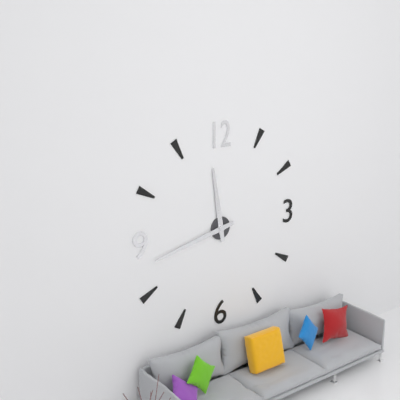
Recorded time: 11:43
